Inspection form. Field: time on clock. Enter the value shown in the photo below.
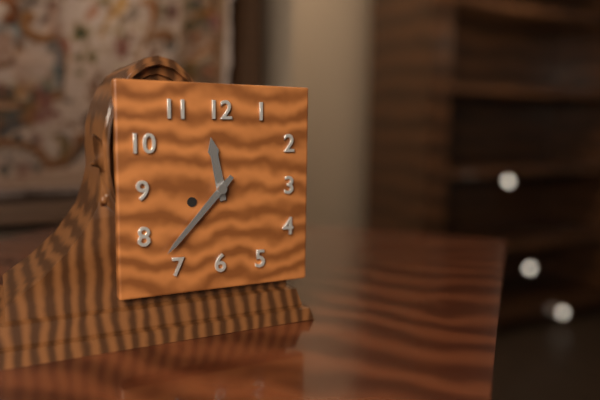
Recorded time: 11:37
